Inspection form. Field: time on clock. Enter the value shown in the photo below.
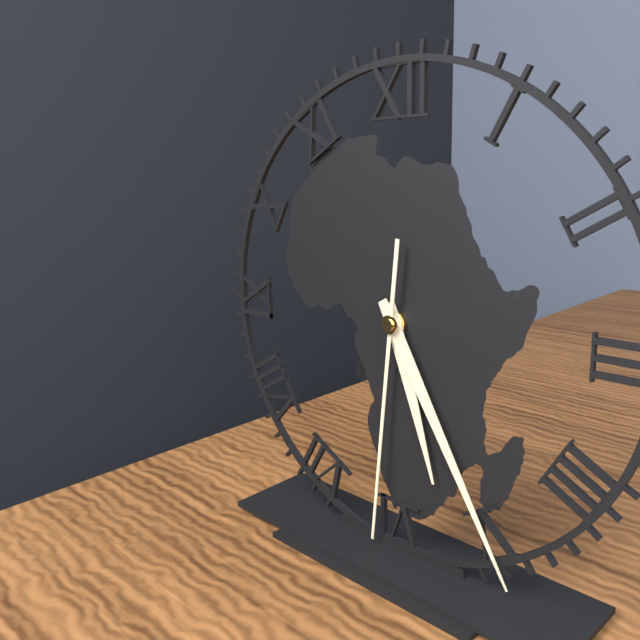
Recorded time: 5:25:31
